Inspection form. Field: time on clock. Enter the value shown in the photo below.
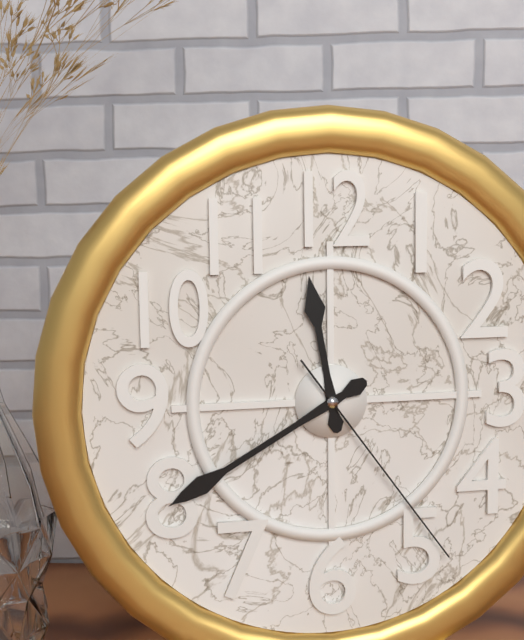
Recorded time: 11:40:24
